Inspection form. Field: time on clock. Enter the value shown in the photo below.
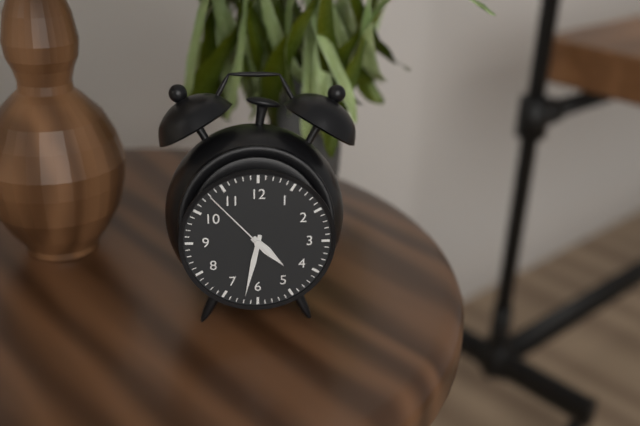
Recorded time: 4:32:53
